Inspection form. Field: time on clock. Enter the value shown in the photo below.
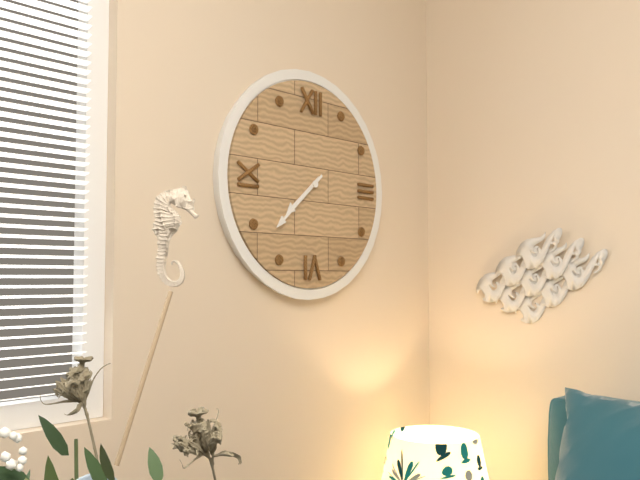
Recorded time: 7:38
